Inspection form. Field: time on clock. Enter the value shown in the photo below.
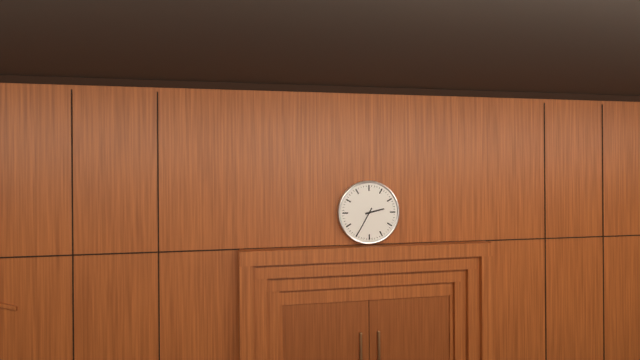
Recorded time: 2:35
